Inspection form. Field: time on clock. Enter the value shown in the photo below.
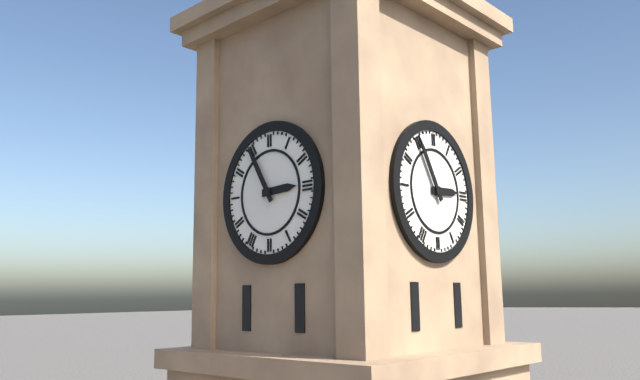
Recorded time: 2:55
